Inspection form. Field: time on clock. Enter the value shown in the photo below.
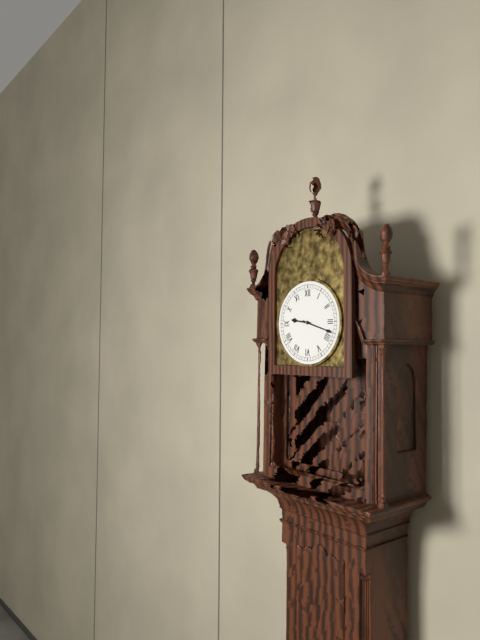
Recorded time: 9:18
